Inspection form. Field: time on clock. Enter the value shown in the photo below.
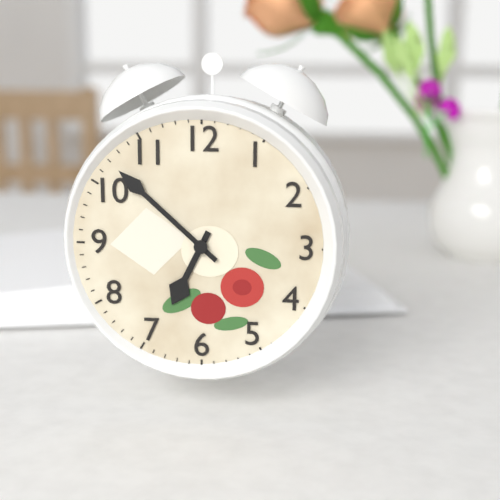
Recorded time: 6:52
